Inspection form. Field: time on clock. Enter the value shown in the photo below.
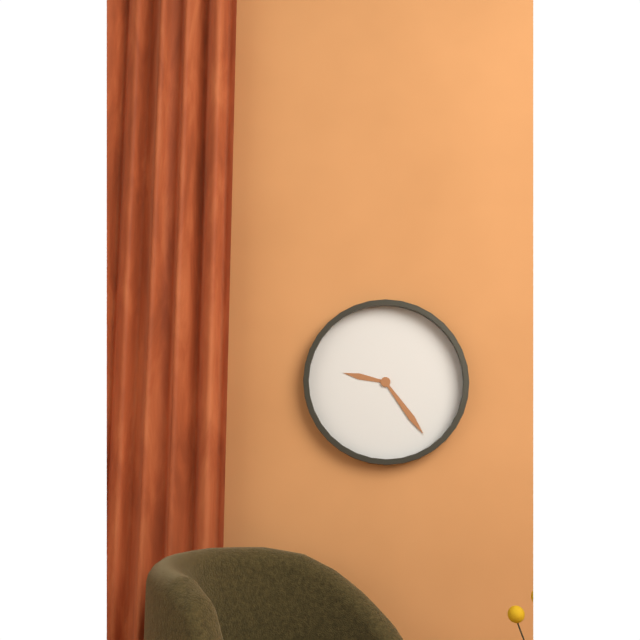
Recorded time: 9:24
